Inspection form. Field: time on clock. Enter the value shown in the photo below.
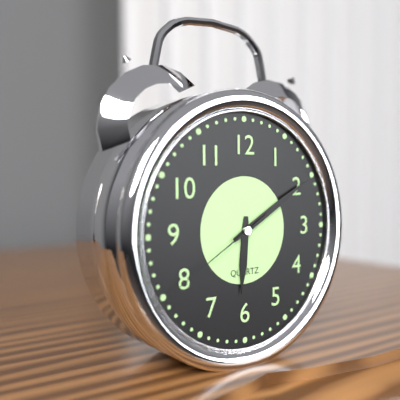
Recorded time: 6:10:40
